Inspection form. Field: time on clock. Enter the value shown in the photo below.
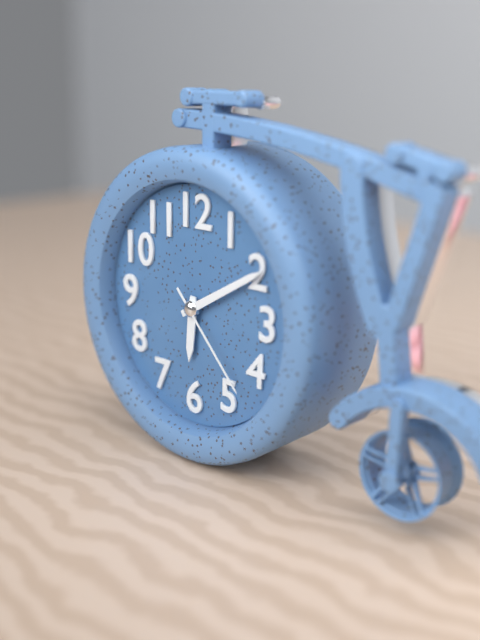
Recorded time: 6:10:23
